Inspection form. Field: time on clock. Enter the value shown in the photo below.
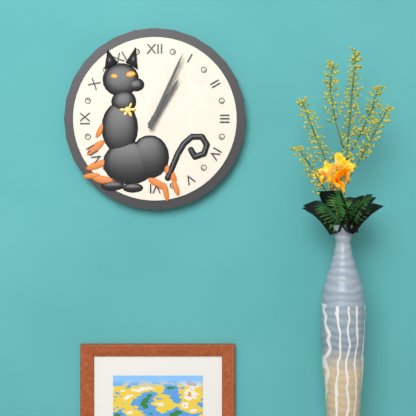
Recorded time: 1:04
